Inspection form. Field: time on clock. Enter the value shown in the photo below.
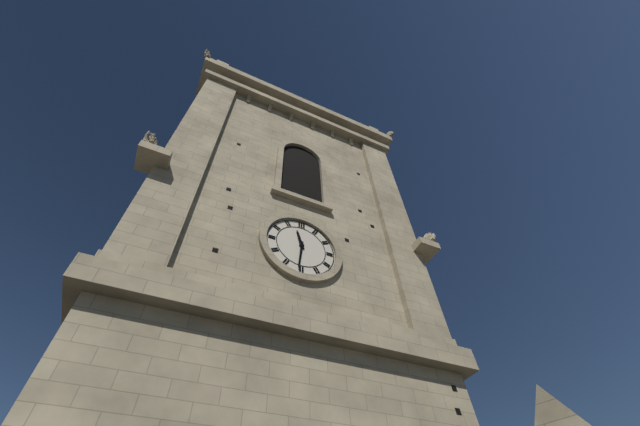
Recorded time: 11:31
